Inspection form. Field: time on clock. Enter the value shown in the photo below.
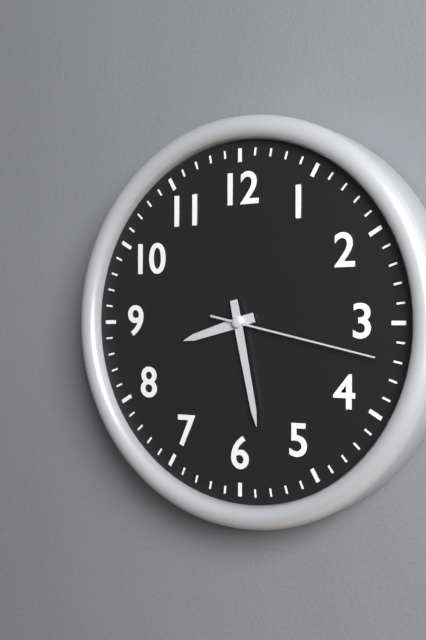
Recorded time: 8:28:17
